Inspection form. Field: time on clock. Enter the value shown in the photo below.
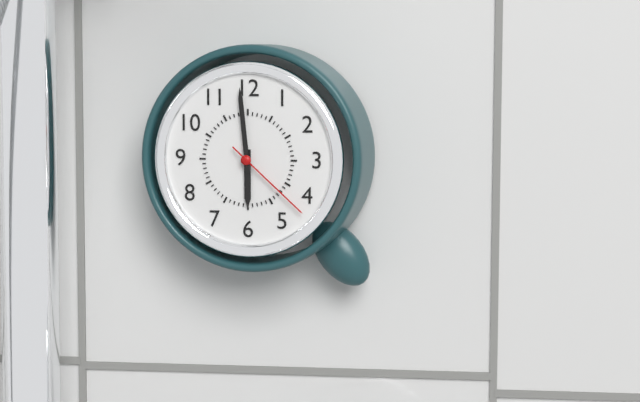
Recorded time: 5:59:22
